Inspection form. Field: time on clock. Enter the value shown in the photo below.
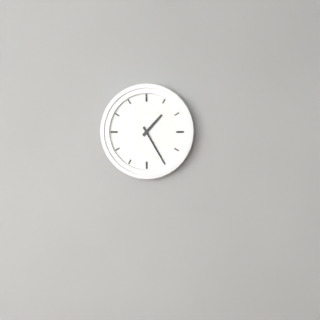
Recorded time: 1:25
